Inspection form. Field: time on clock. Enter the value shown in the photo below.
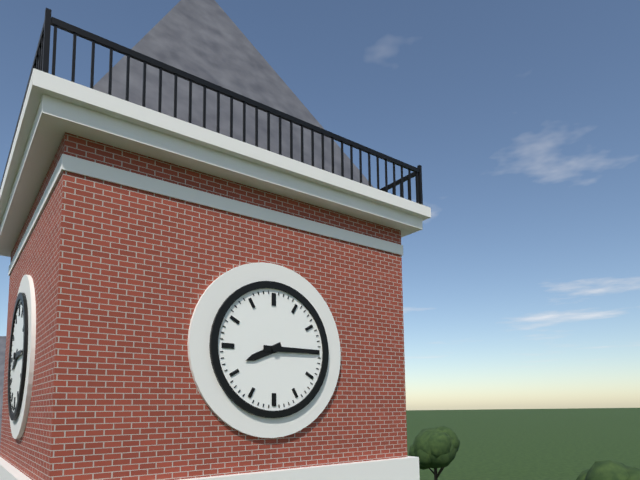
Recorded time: 8:15
